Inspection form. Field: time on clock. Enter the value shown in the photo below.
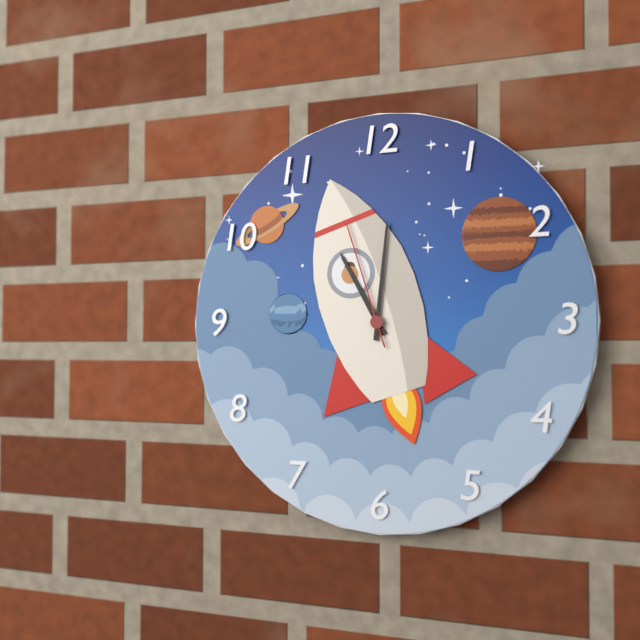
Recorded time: 11:01:57
